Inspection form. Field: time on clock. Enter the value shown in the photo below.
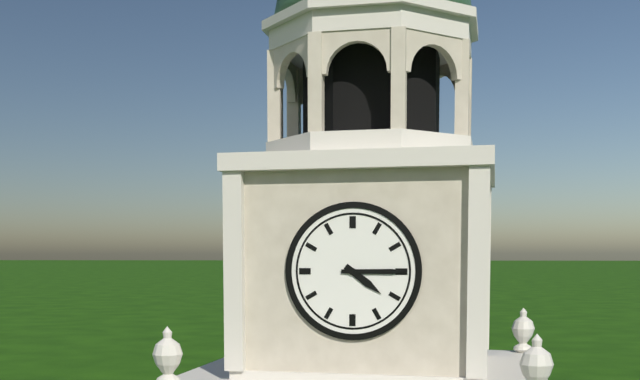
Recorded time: 4:15
